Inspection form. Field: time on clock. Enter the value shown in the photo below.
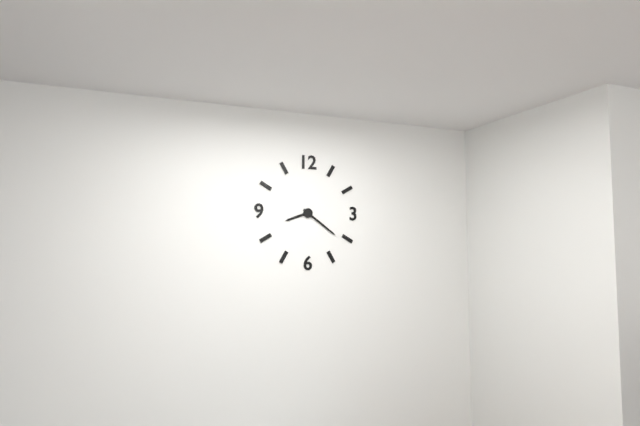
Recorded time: 8:21
